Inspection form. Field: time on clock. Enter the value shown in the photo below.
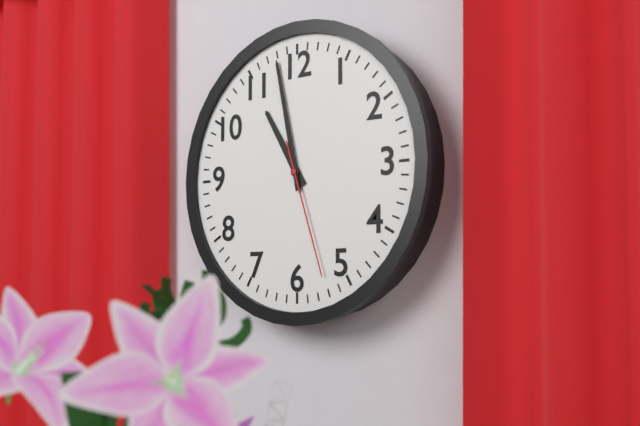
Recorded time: 10:58:27
